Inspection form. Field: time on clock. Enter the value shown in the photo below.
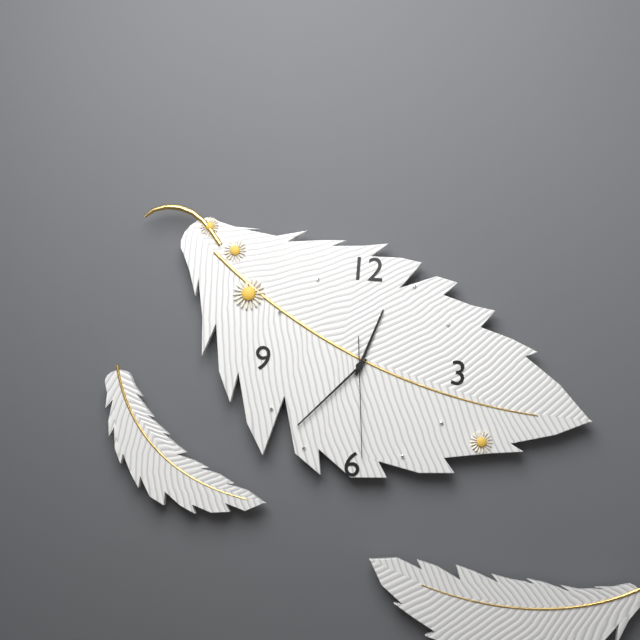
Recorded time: 12:37:29
